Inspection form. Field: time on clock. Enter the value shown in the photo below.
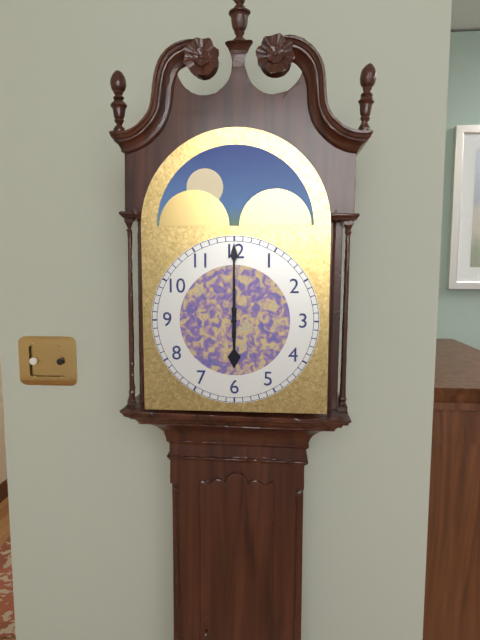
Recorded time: 6:00
